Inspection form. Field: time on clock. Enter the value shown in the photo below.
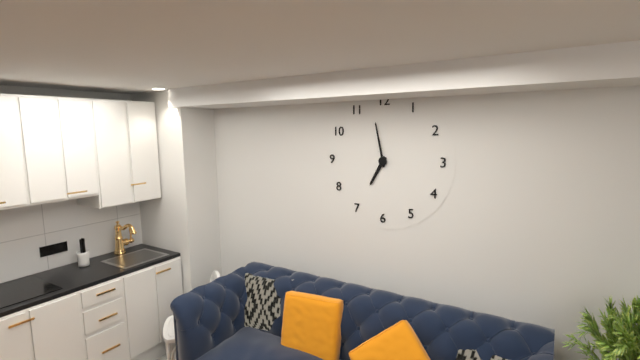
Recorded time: 6:58
